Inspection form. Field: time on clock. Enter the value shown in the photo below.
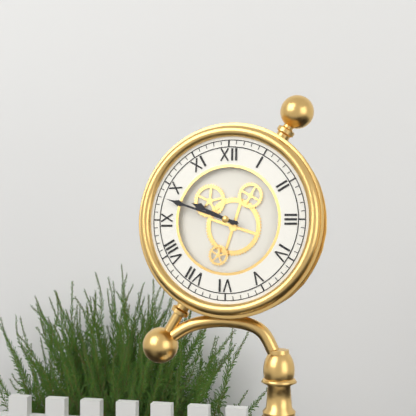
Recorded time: 9:48
